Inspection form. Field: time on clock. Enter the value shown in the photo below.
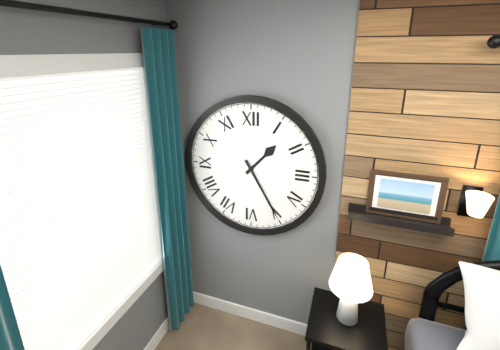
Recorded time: 1:25
